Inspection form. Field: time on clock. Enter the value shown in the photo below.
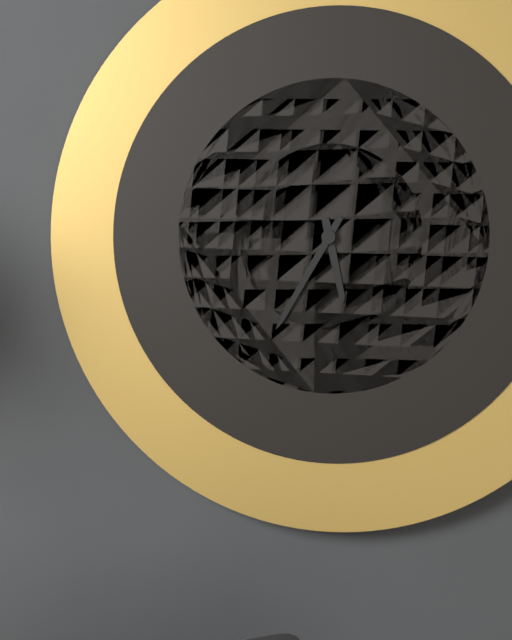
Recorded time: 5:35
